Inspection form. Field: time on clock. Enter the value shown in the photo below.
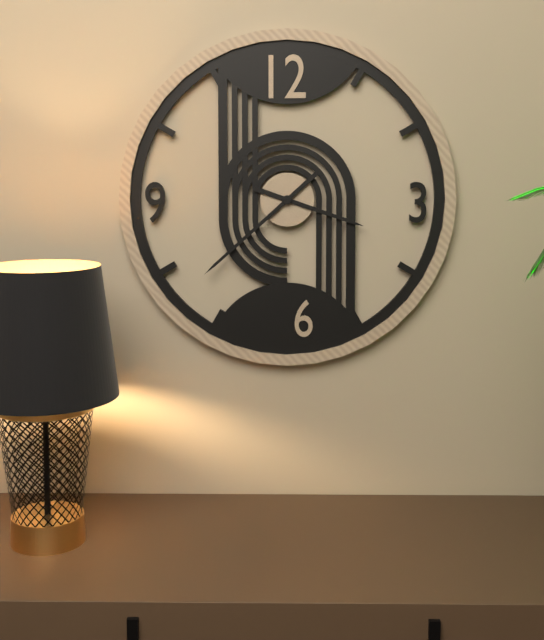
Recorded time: 3:38
